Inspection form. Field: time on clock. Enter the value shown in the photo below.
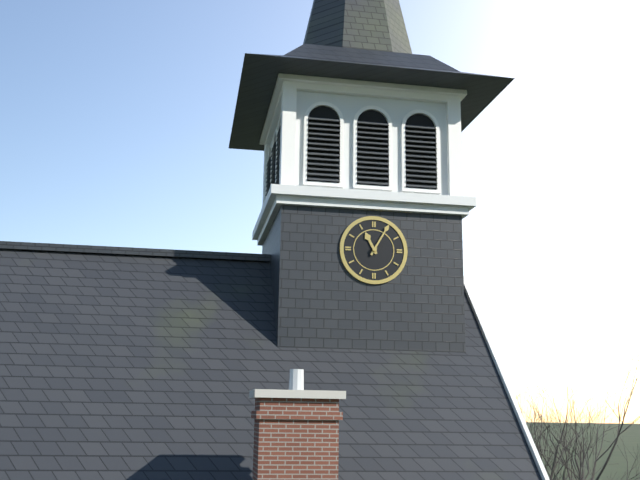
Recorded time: 11:05
